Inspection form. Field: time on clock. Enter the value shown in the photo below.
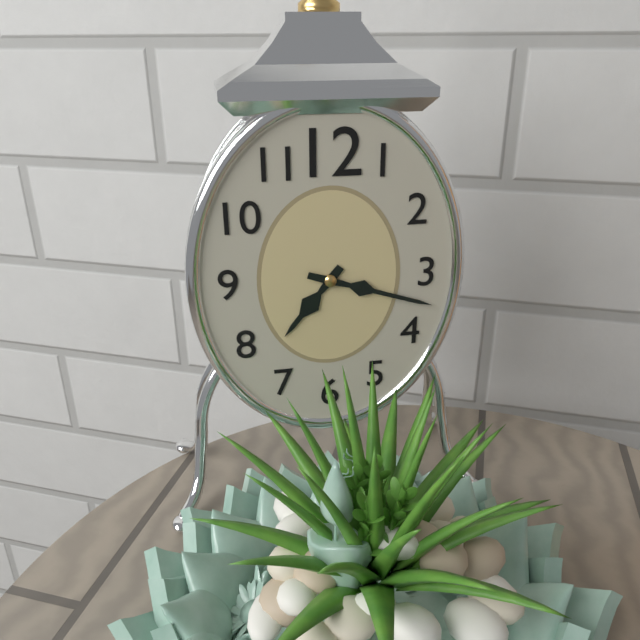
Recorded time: 7:18
